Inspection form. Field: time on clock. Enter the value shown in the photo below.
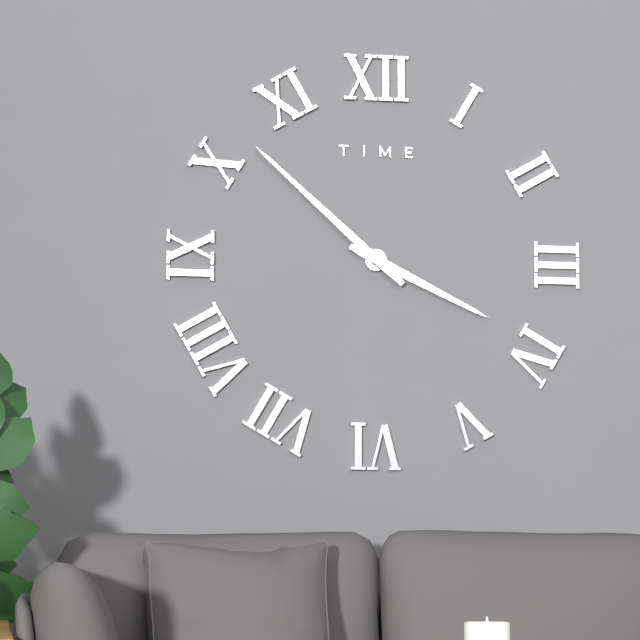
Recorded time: 3:52
